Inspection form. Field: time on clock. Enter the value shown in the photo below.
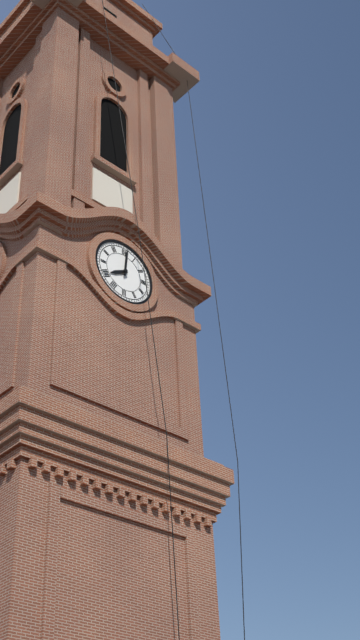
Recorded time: 8:01
